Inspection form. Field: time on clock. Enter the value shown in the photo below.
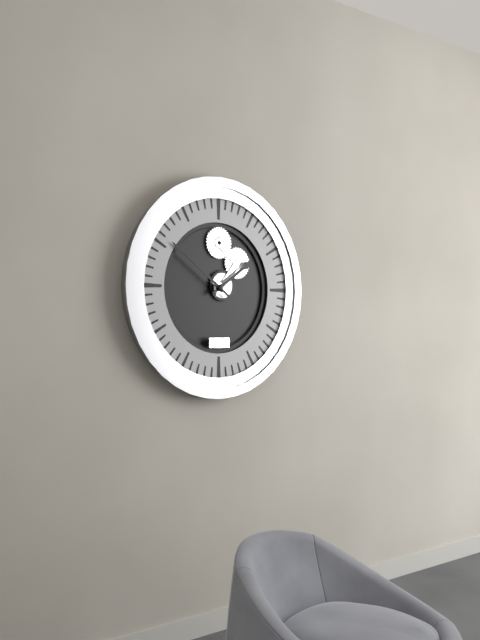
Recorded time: 1:51
